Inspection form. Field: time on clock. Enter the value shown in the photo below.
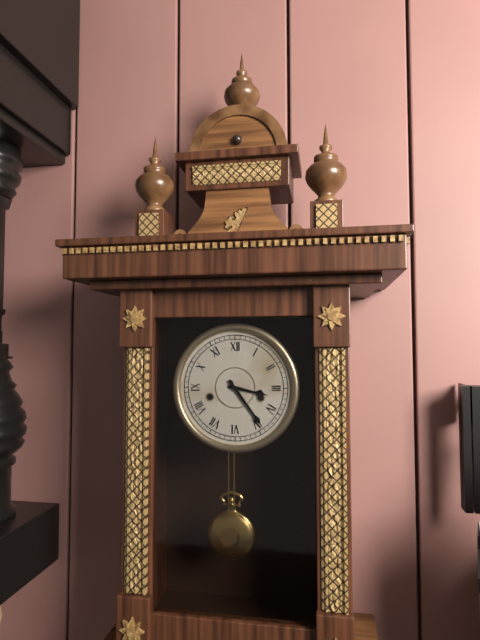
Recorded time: 3:24
